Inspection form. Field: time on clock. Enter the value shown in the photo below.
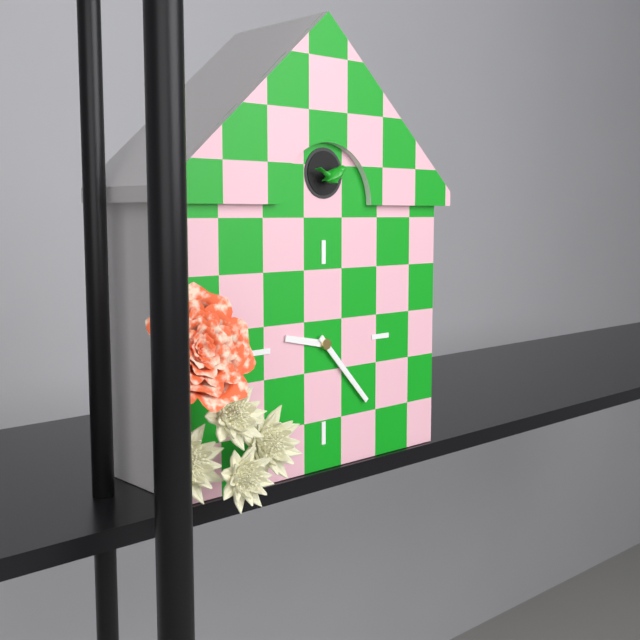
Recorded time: 9:23
